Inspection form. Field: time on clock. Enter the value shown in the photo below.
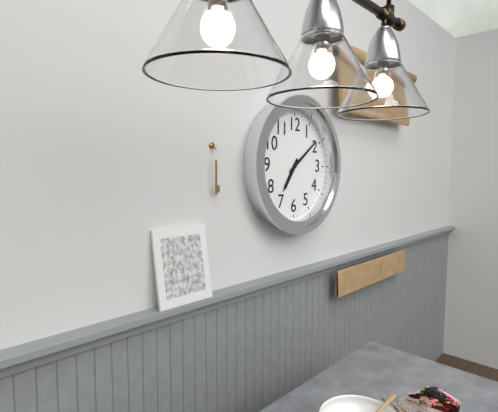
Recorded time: 7:09
